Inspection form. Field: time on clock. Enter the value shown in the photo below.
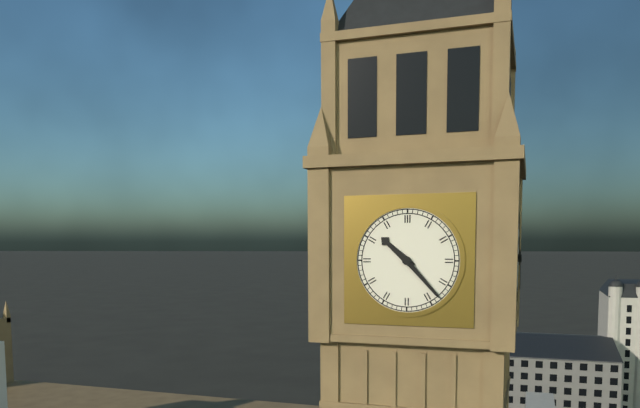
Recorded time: 10:23
